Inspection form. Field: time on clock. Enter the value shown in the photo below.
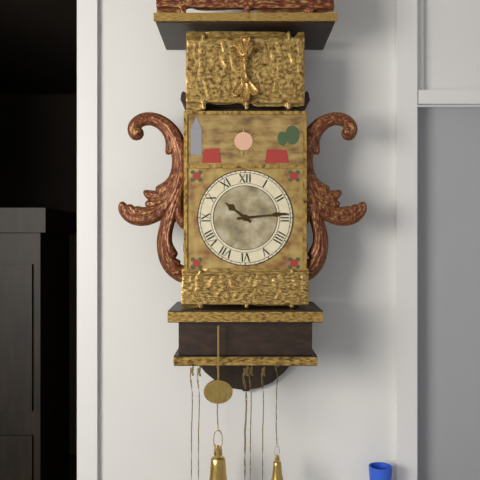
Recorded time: 10:14
